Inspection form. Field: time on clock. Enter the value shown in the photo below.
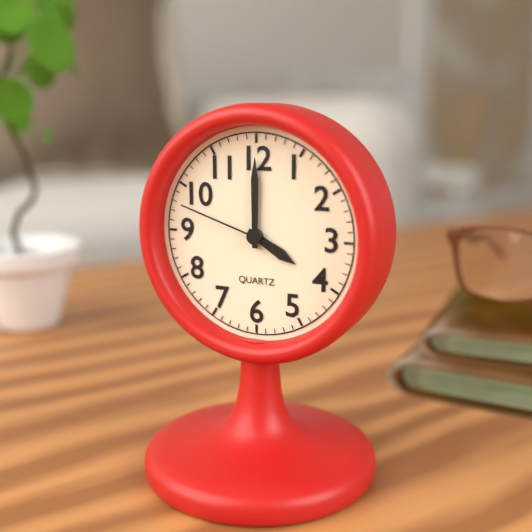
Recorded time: 4:00:48
